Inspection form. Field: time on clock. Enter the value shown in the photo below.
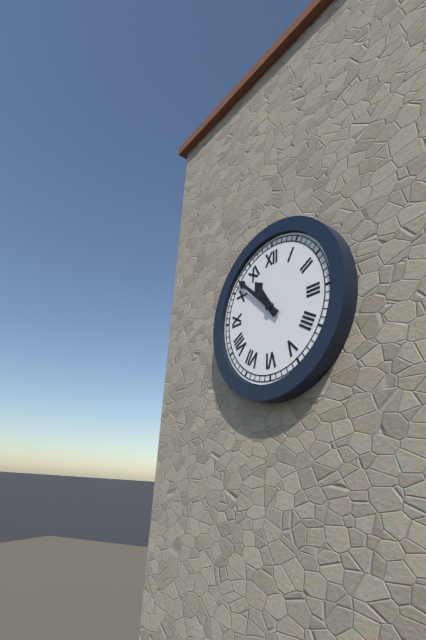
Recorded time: 10:52
